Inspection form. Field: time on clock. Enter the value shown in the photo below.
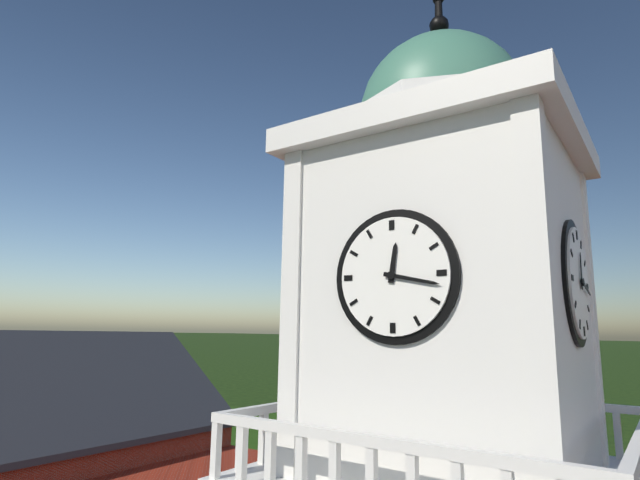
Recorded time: 12:17
